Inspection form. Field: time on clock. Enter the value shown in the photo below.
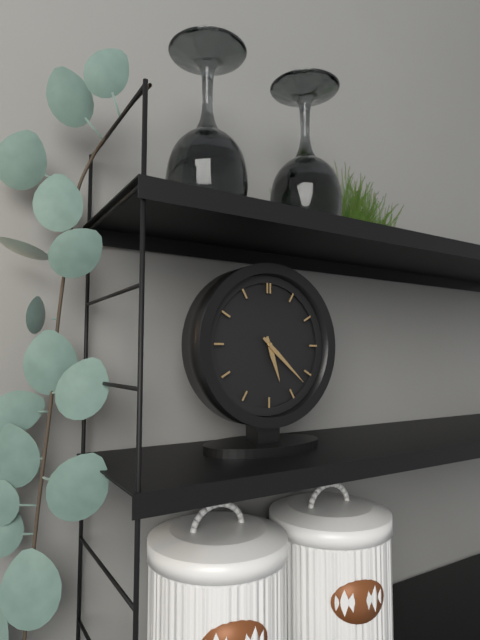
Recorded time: 5:22
